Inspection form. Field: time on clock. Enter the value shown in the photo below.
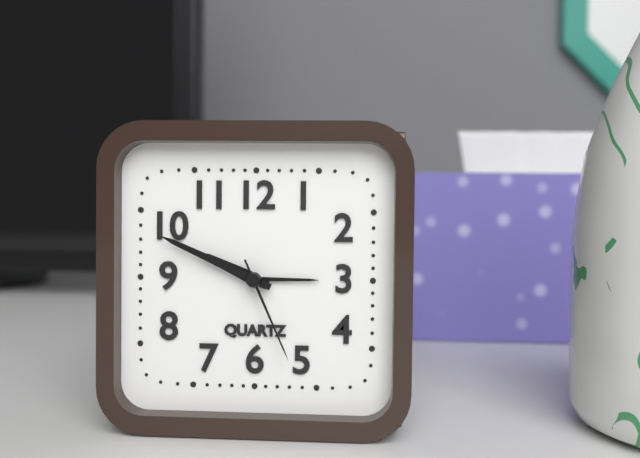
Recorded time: 9:49:26
